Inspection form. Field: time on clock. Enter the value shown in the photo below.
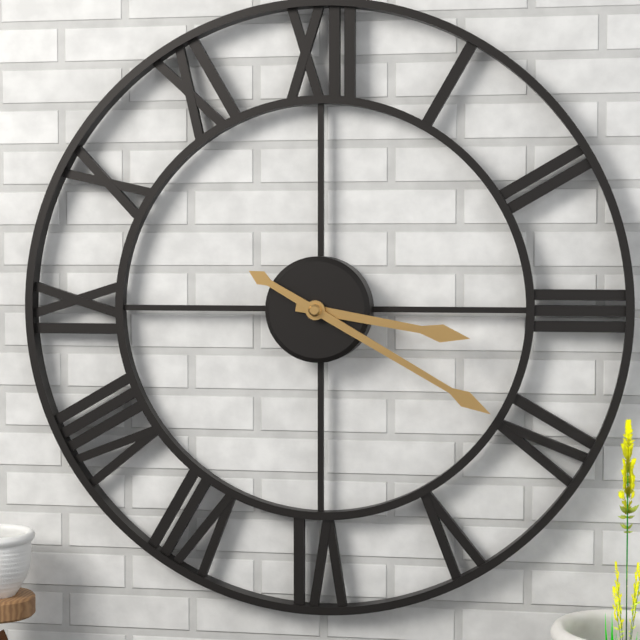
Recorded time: 3:20
